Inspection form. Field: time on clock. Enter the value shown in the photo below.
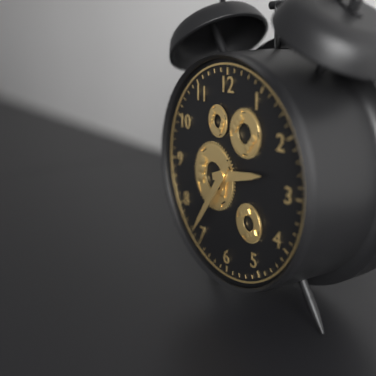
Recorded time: 2:36
